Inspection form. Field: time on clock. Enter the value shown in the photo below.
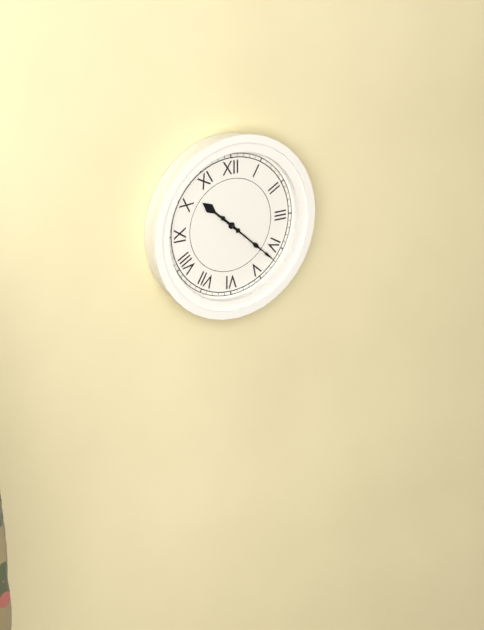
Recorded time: 10:22
